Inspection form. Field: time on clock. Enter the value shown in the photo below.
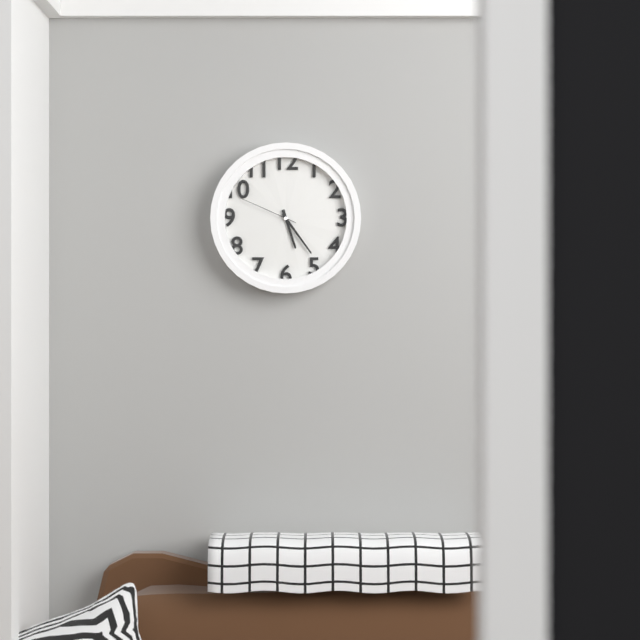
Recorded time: 5:24:49
